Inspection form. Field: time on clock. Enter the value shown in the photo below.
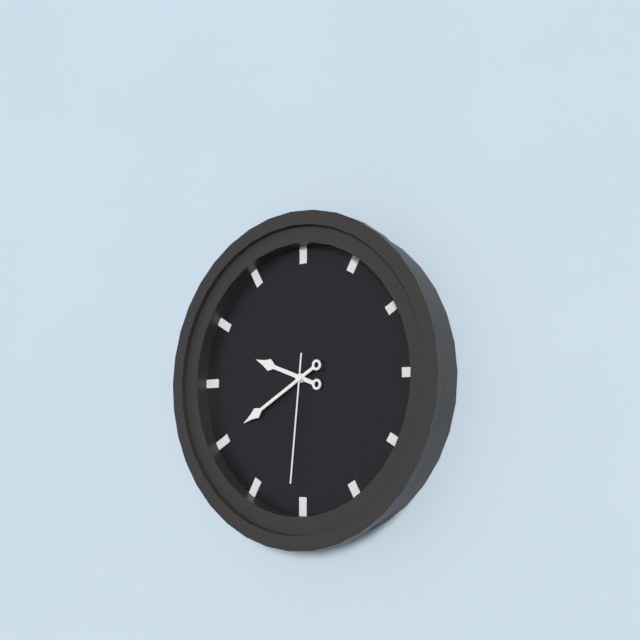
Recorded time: 9:40:31
